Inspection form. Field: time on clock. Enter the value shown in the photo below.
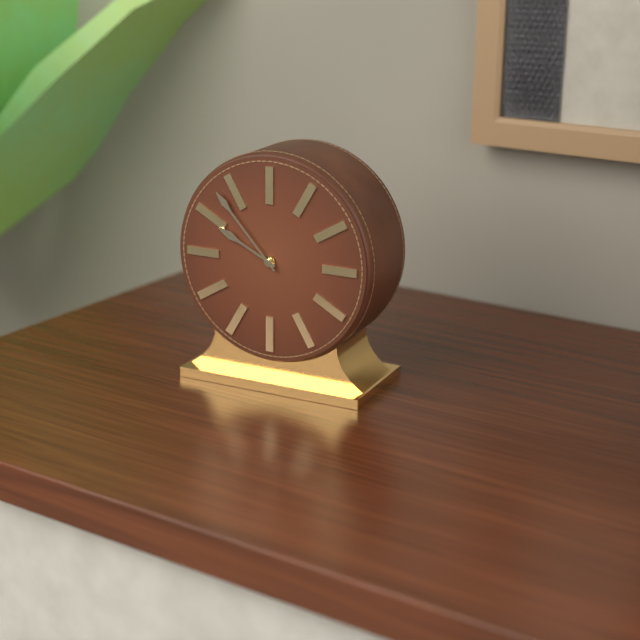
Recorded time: 9:53
